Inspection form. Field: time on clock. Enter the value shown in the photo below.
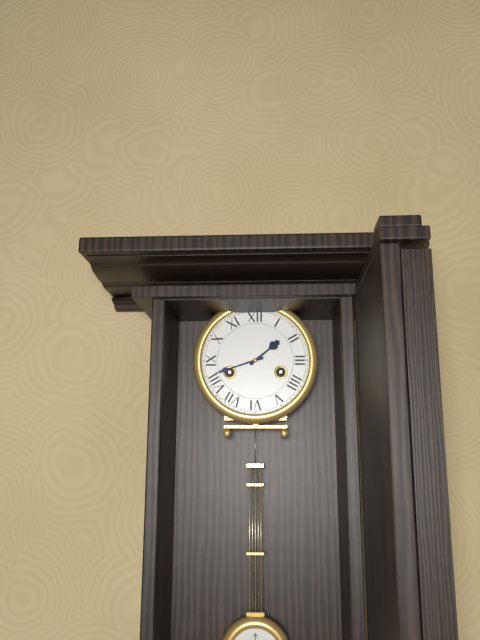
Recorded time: 1:42
